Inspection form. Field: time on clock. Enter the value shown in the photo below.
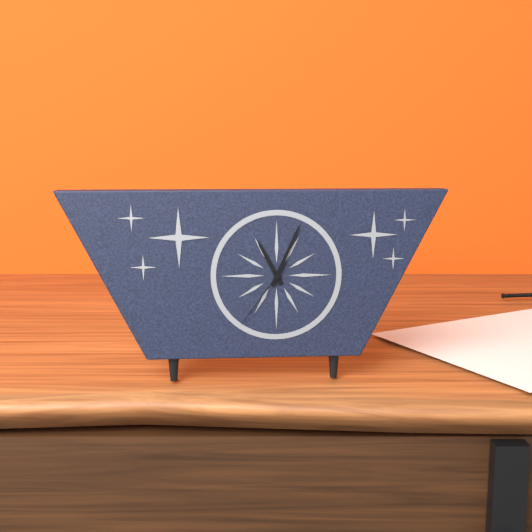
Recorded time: 11:04:36
